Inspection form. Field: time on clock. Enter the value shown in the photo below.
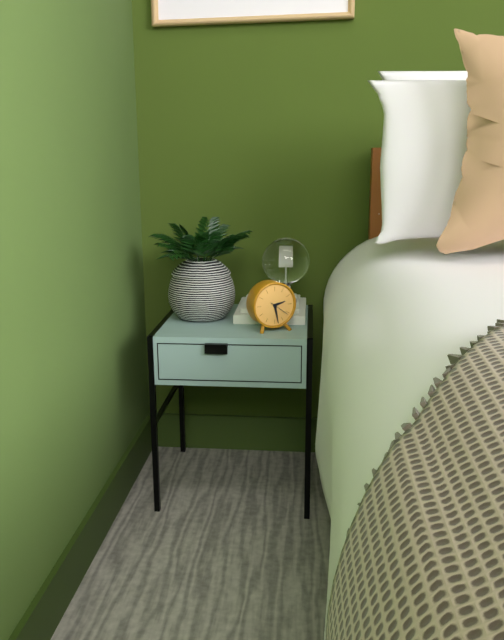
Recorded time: 2:28
